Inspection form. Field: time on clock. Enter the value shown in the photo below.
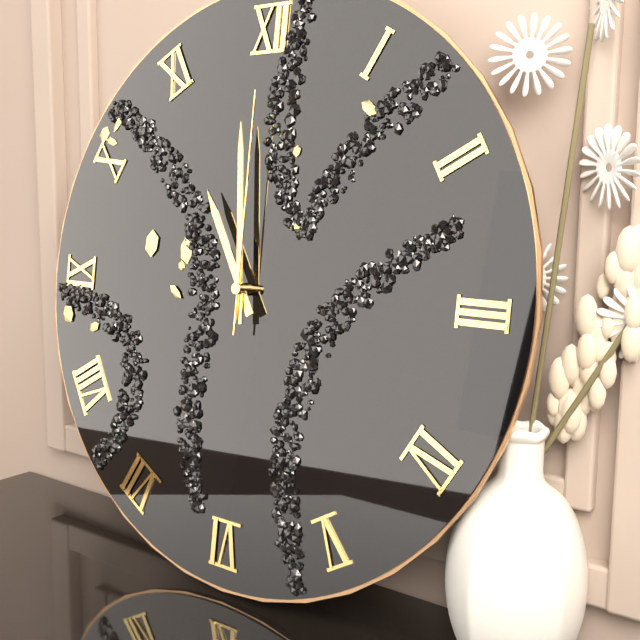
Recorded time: 10:59:00
